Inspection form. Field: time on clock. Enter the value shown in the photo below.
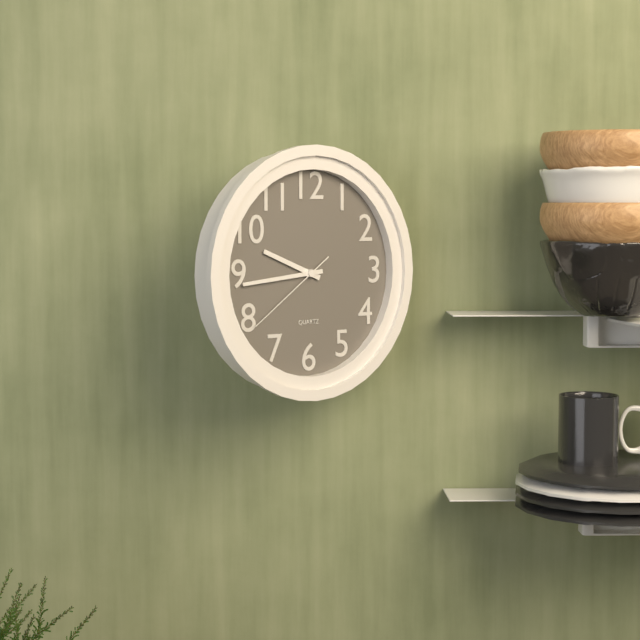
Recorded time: 9:44:39
